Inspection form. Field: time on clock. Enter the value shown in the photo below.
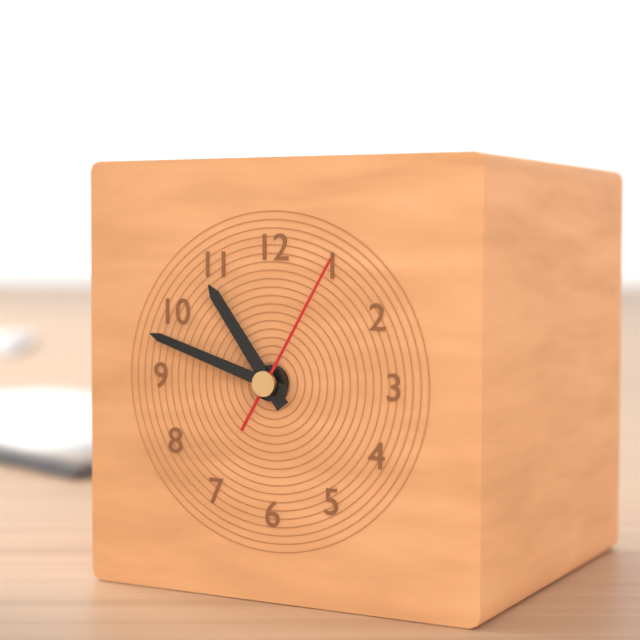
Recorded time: 10:48:05
